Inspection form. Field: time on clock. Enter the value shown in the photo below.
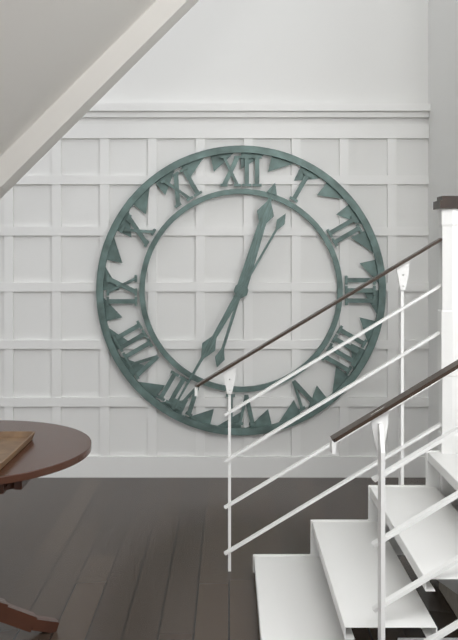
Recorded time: 12:35
